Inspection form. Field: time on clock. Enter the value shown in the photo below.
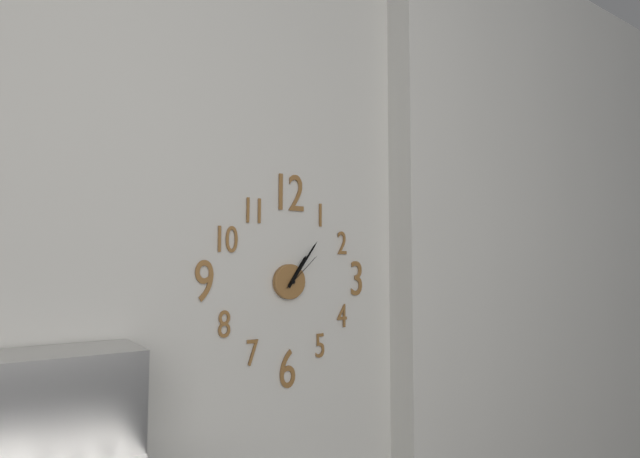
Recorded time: 1:06
